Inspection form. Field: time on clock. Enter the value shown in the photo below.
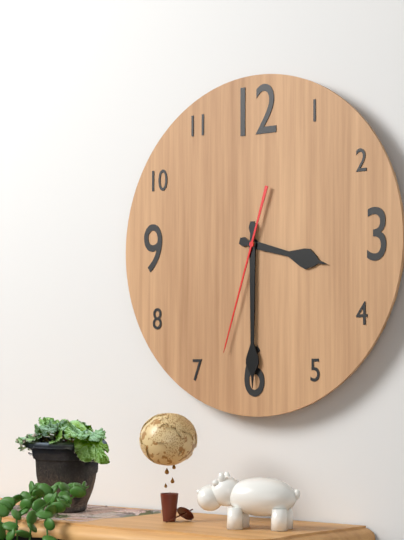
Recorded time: 3:30:33
